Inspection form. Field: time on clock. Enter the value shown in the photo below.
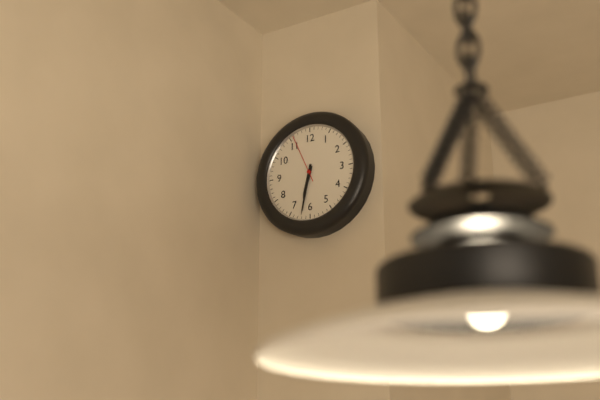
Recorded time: 6:32
